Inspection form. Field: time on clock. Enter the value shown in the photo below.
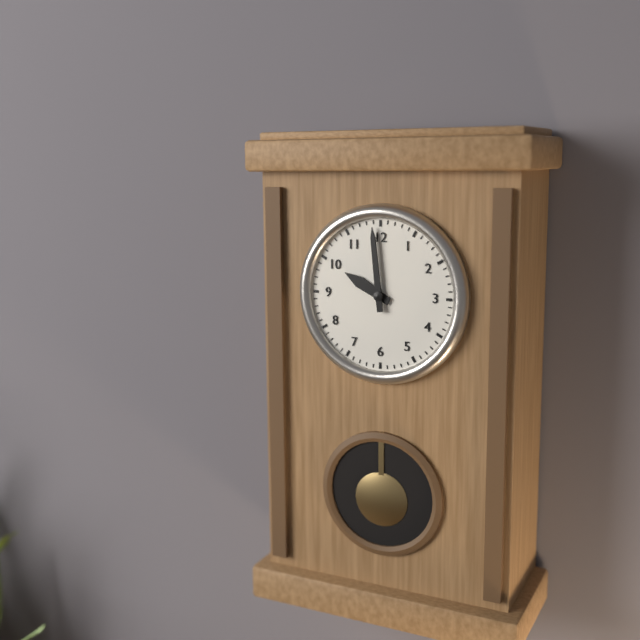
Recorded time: 9:59
